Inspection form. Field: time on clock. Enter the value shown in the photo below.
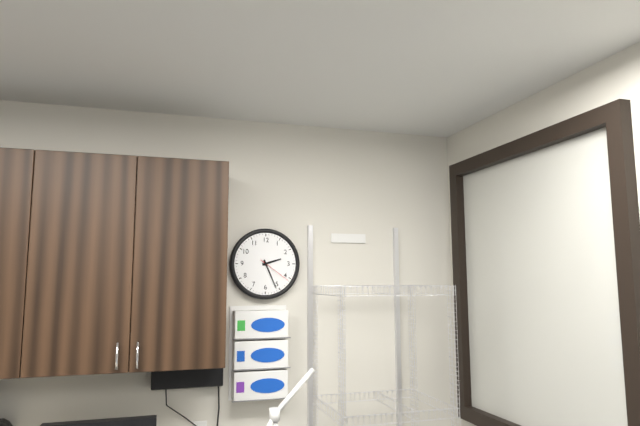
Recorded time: 2:26
